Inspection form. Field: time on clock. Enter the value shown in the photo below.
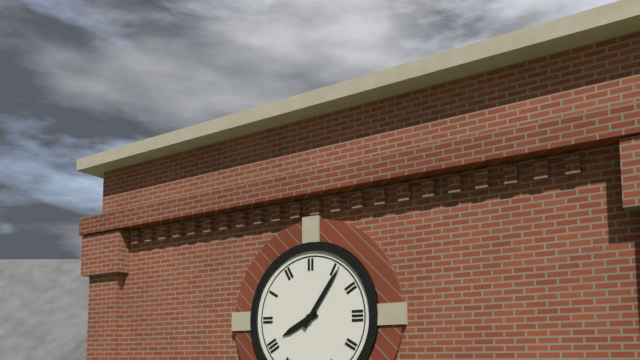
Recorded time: 8:06
